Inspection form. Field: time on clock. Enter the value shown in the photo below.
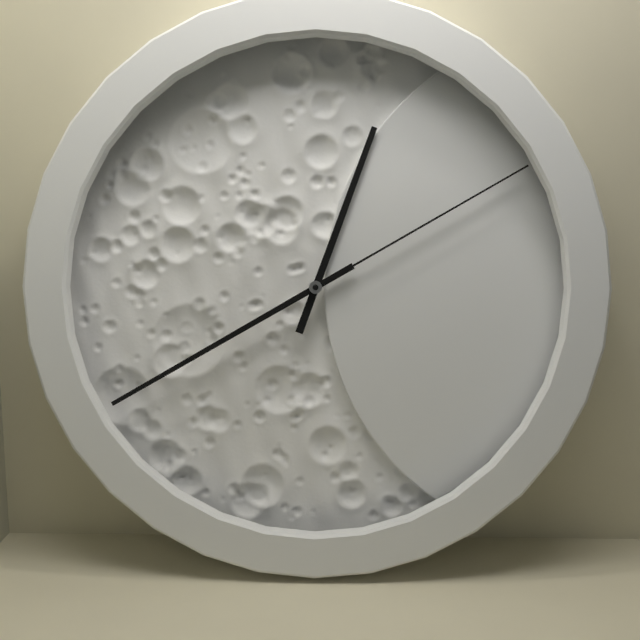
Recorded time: 12:40:10
